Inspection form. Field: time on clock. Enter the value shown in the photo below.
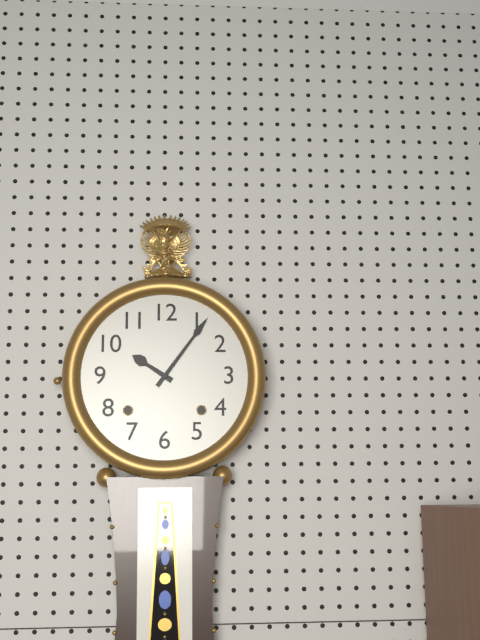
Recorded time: 10:06
